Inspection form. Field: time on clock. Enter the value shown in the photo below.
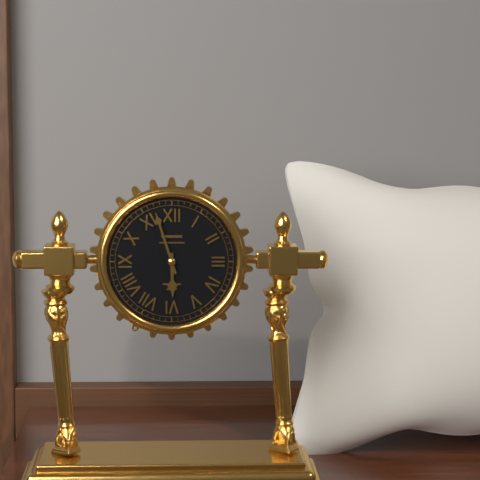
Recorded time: 5:57
